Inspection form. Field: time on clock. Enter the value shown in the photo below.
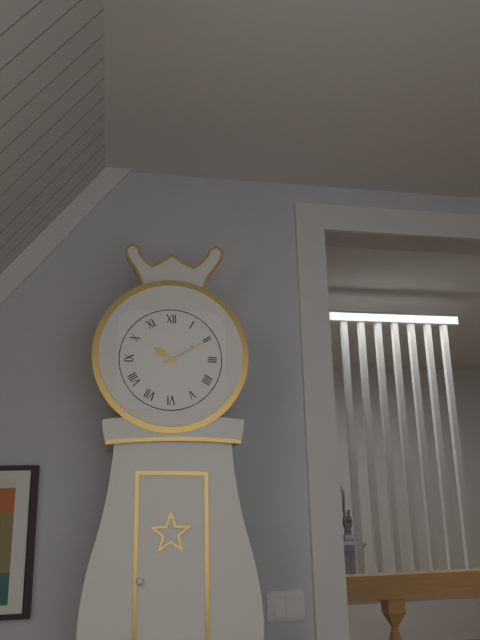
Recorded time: 10:10
